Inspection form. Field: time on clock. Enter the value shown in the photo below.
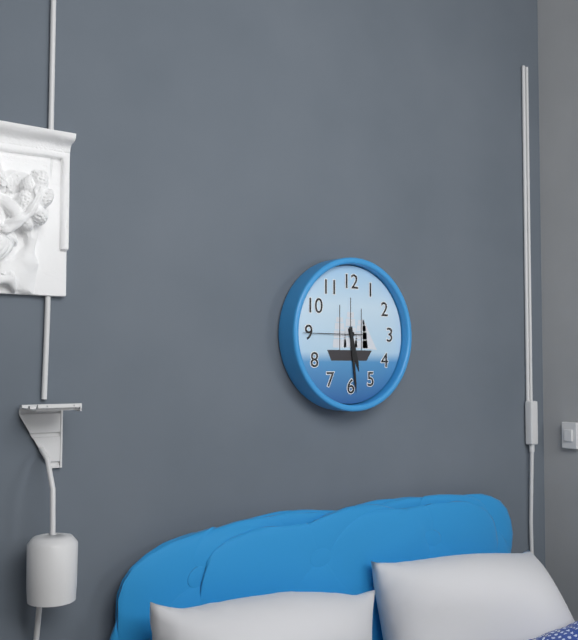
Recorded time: 5:29:45
